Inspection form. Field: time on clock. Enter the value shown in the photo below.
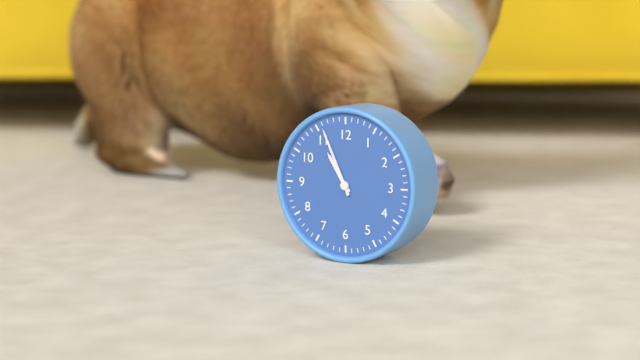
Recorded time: 10:56
